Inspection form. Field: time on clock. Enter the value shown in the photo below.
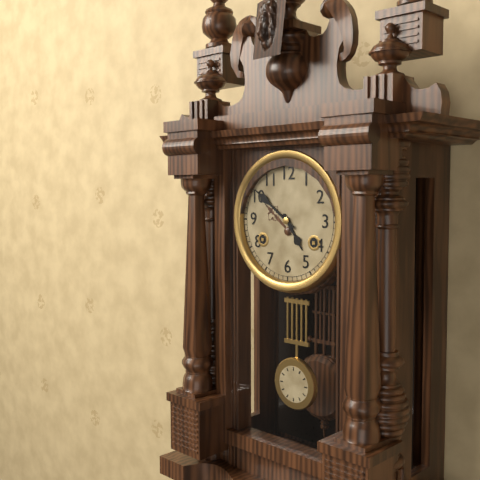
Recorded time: 4:51
